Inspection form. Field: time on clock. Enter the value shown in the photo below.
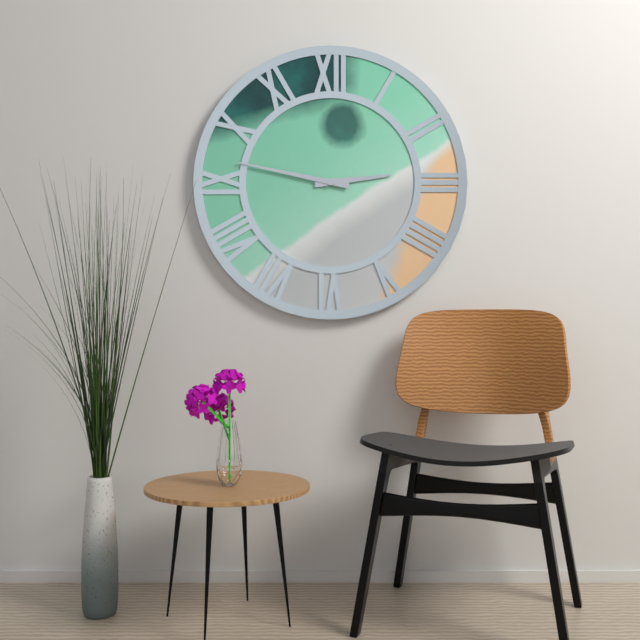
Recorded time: 2:47
